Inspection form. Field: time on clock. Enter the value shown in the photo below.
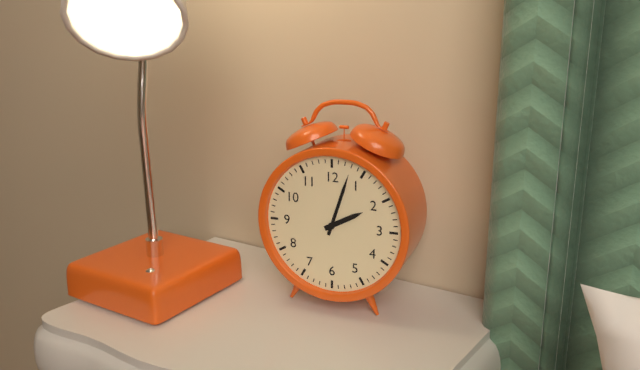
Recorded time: 2:03
